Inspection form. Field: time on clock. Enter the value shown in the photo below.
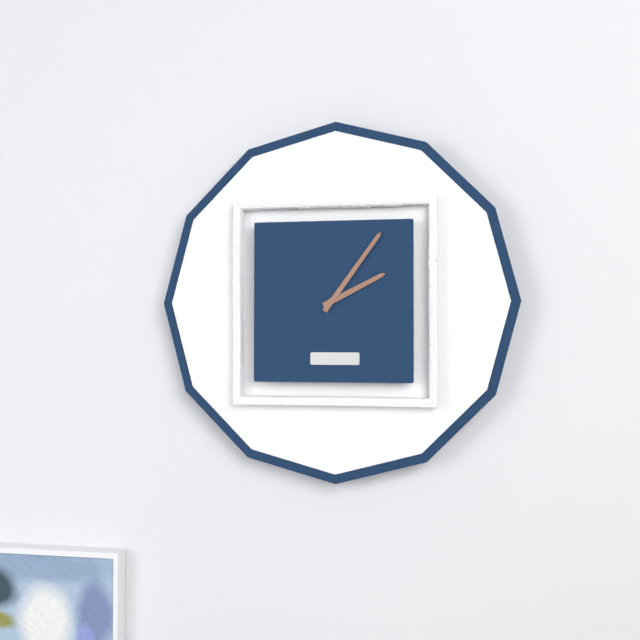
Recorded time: 2:06
